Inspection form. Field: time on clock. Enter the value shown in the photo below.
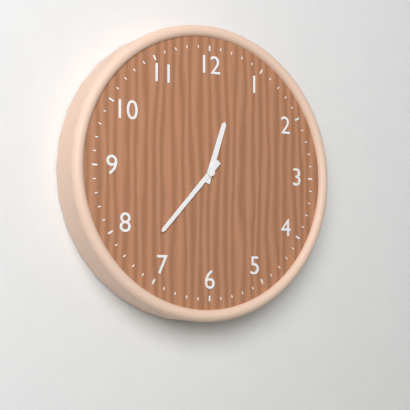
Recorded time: 12:37
